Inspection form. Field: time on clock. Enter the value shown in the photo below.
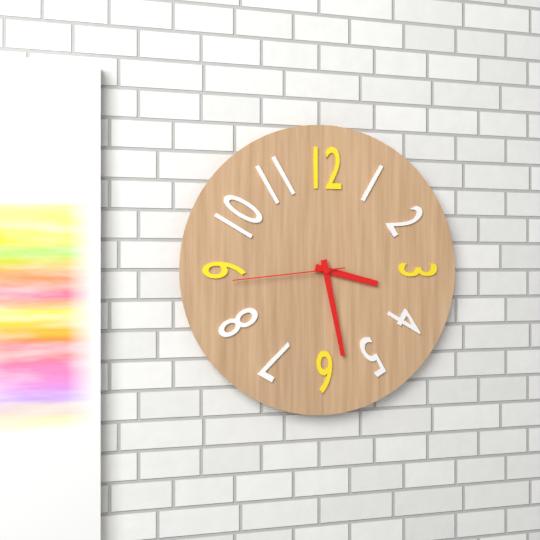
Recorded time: 3:28:44
